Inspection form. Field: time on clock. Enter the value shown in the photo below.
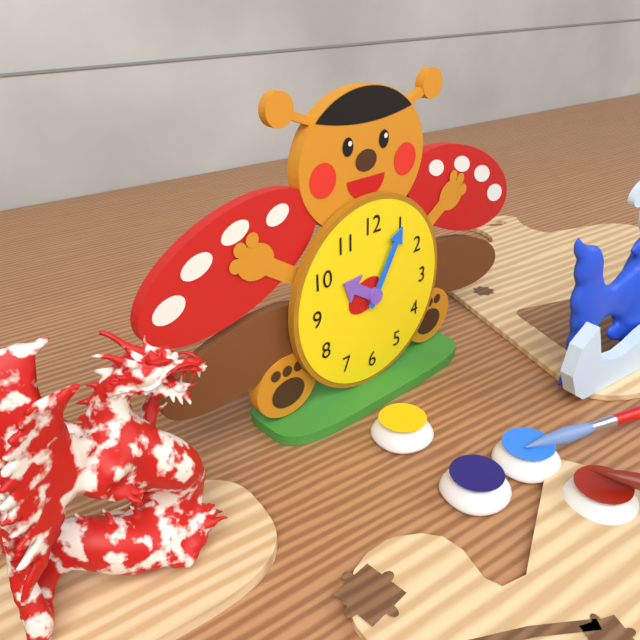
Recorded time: 10:05
